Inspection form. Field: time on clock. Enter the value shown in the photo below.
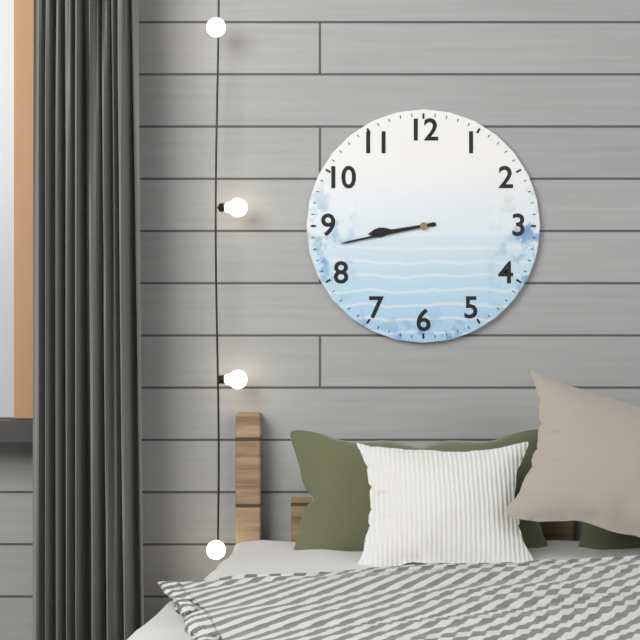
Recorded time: 8:43
